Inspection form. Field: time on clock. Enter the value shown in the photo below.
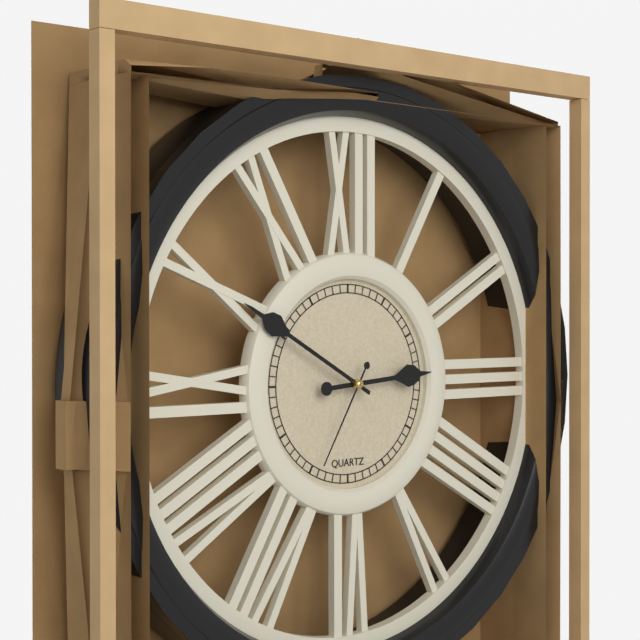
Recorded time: 2:50:35
